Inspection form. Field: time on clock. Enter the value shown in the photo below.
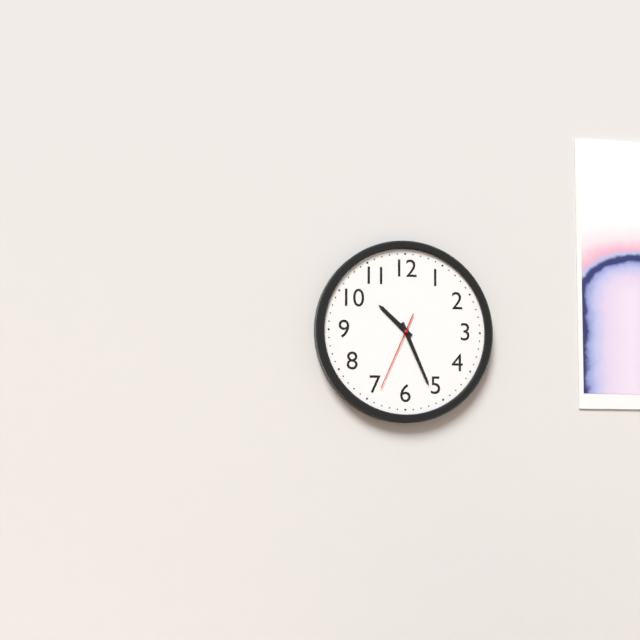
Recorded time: 10:26:34
